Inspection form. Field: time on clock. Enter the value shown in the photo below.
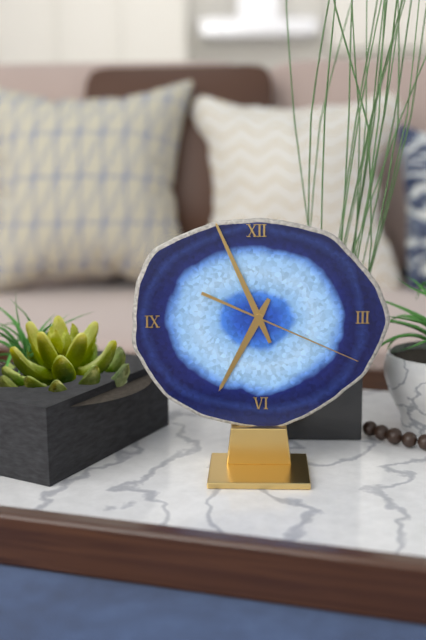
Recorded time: 6:56:19
